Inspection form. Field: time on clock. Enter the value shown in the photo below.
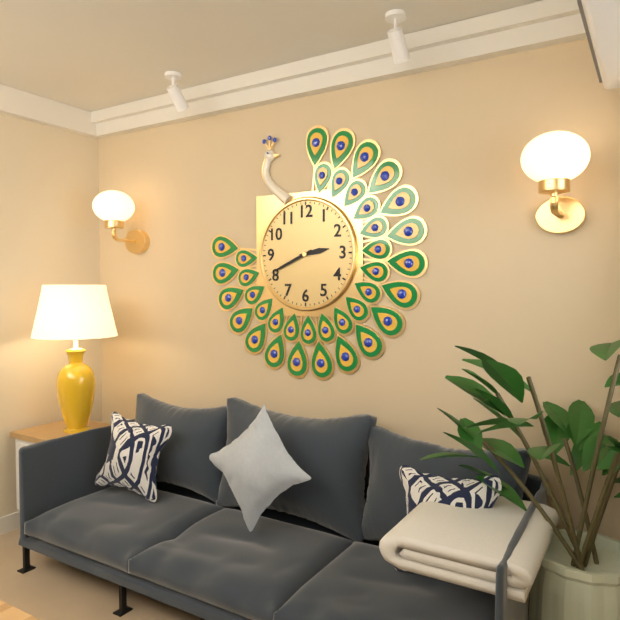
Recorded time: 2:41
